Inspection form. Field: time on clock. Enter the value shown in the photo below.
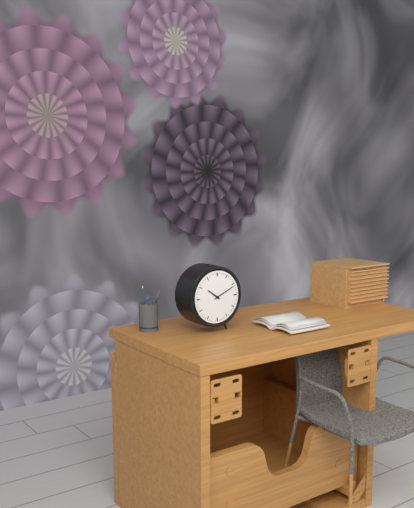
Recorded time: 10:11
